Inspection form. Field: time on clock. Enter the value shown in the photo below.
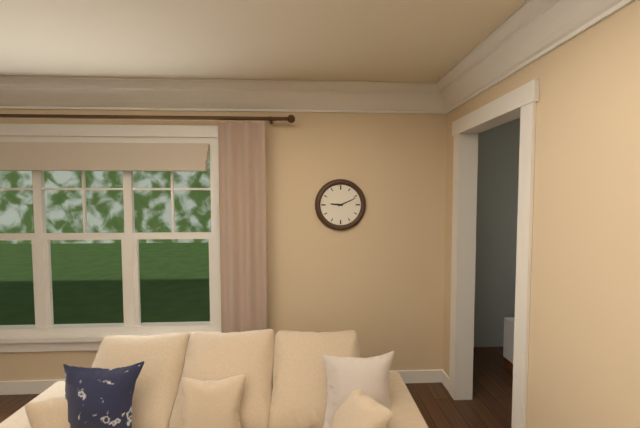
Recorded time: 9:11
